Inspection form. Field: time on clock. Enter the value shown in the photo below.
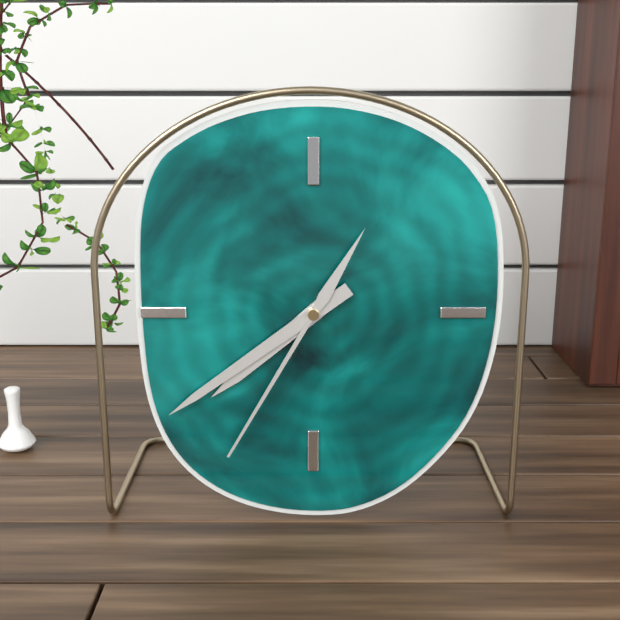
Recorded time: 7:39:35
